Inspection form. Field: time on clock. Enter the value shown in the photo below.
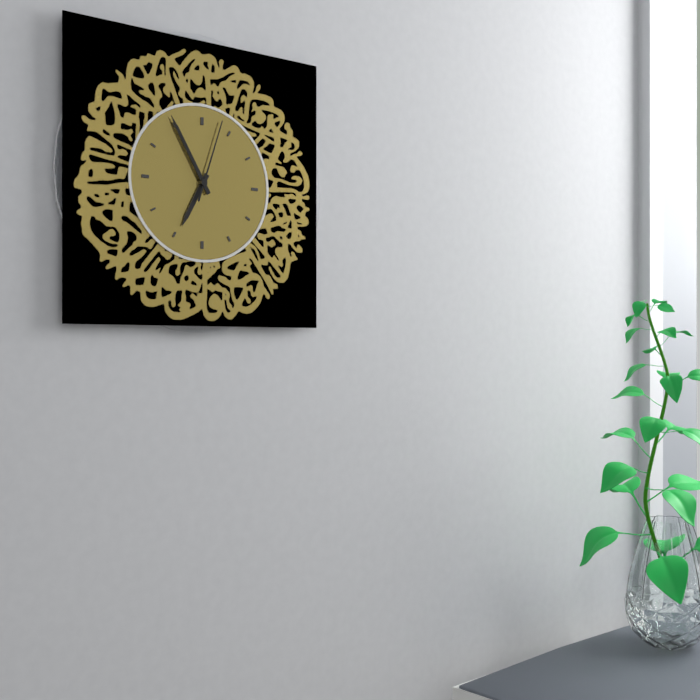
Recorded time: 6:55:03
